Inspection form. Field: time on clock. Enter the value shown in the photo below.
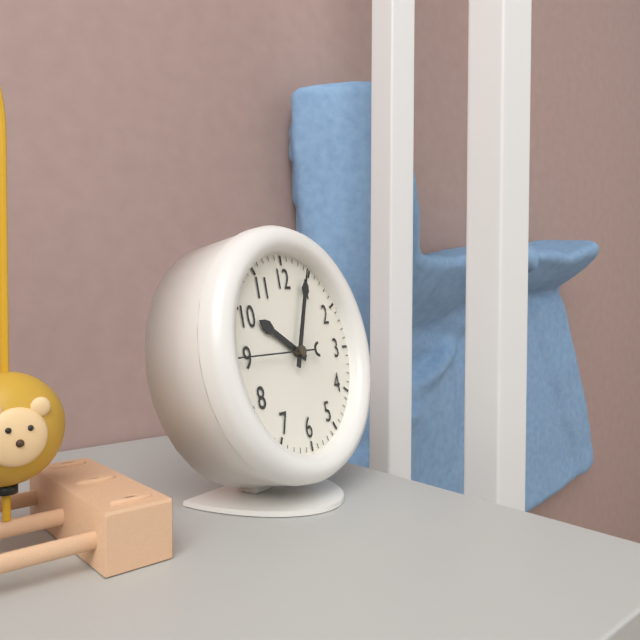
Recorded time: 10:04:45
